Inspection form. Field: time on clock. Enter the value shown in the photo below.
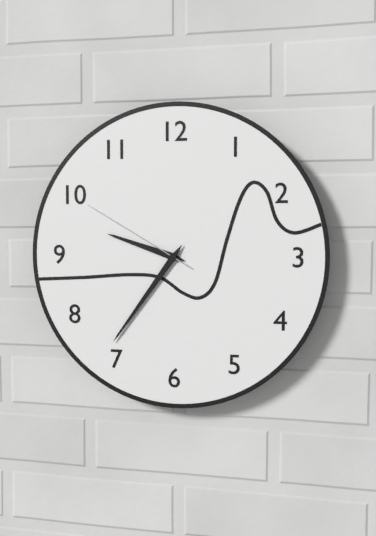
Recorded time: 9:36:50
